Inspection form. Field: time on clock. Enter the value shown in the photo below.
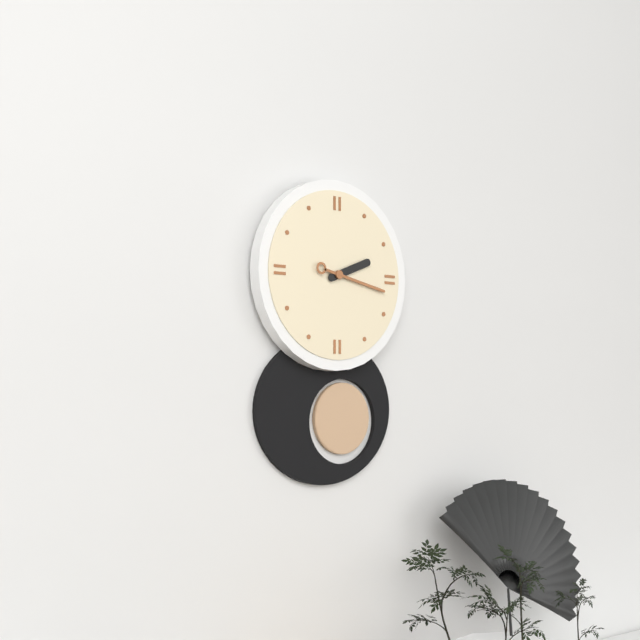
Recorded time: 2:17
